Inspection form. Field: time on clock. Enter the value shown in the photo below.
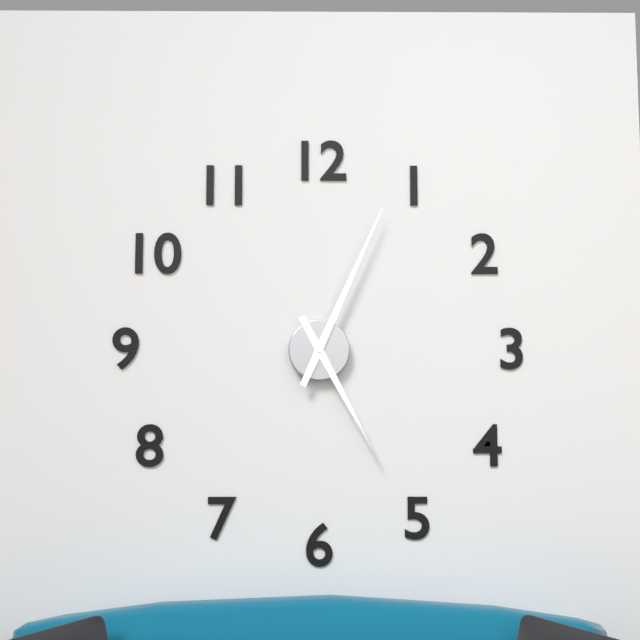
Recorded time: 5:04
